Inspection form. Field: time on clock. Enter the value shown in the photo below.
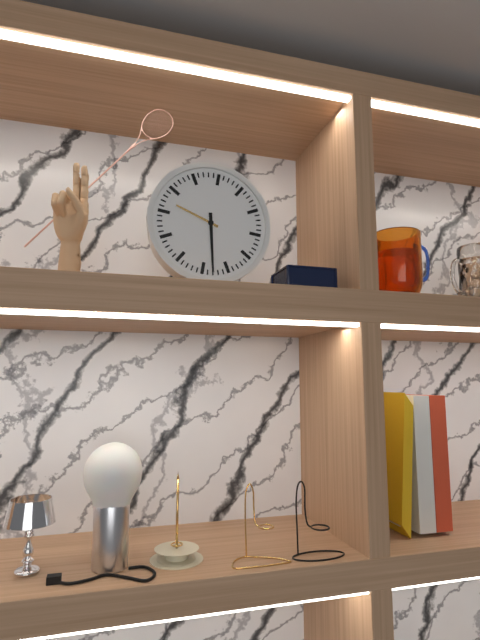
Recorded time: 9:28
